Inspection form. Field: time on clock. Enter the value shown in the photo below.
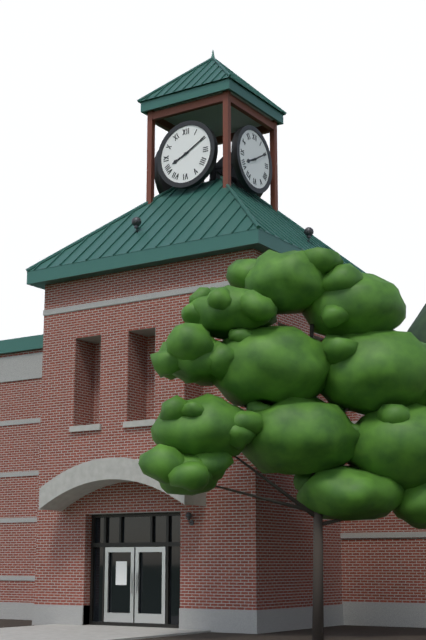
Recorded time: 8:10
